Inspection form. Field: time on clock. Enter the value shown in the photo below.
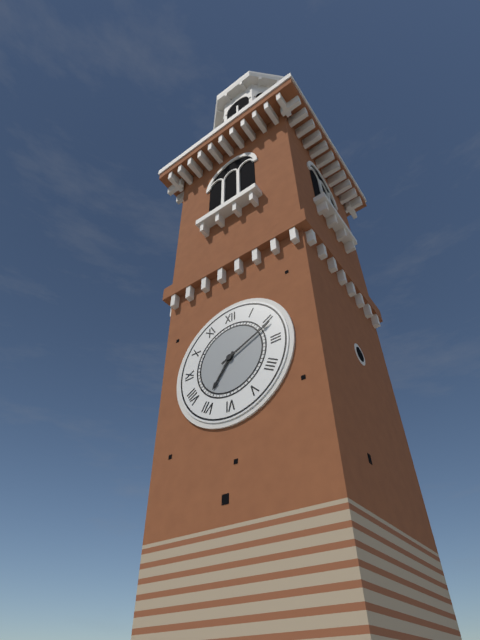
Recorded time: 7:11
